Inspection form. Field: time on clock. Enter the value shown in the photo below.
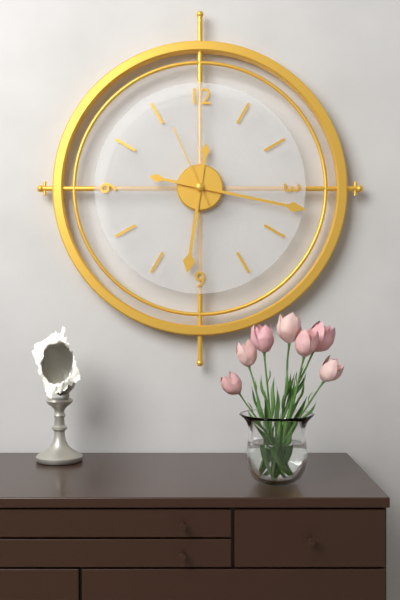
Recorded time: 6:17:56
